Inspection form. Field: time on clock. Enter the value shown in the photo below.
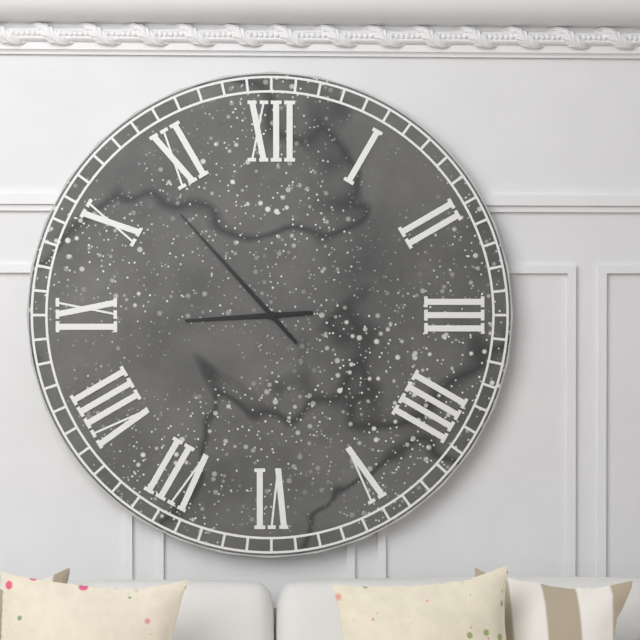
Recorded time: 8:53
